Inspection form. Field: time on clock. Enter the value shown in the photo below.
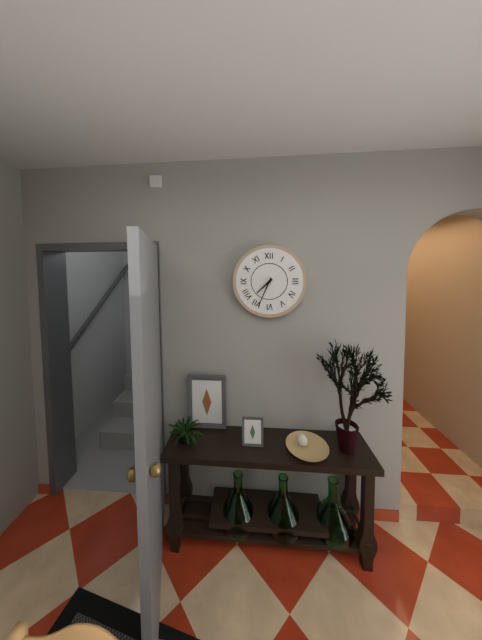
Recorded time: 7:34
